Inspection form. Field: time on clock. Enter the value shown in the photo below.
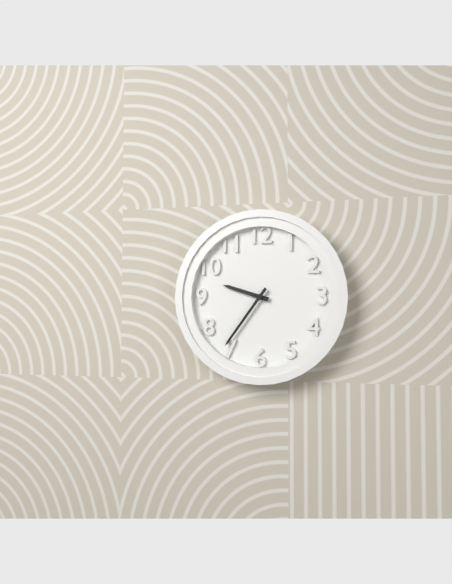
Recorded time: 9:36
